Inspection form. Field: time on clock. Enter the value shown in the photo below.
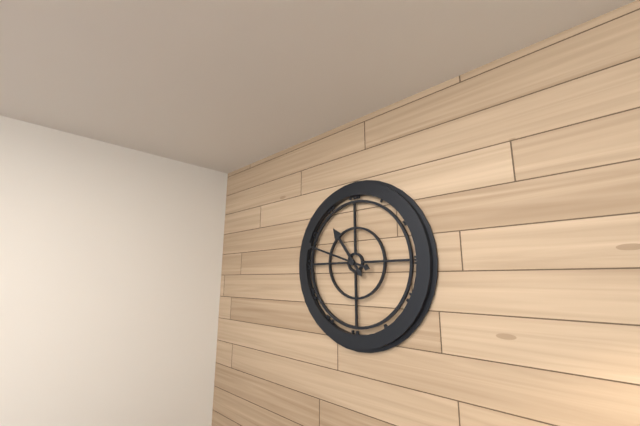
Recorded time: 10:48
